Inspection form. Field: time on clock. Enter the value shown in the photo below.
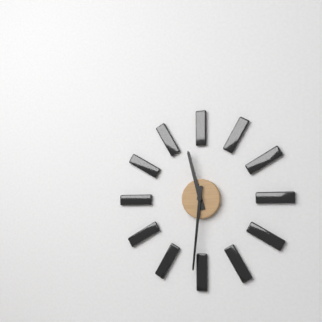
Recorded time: 11:31
